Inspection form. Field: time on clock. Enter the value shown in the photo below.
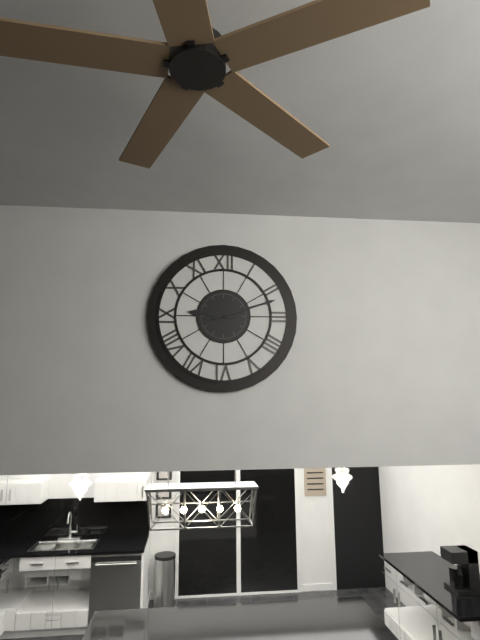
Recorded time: 9:12
